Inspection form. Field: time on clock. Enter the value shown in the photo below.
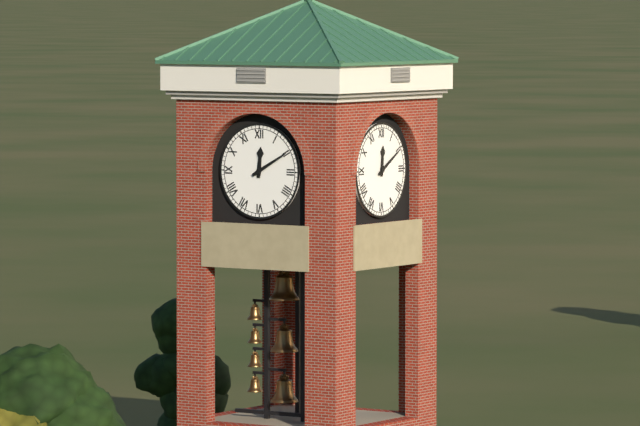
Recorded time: 12:10
